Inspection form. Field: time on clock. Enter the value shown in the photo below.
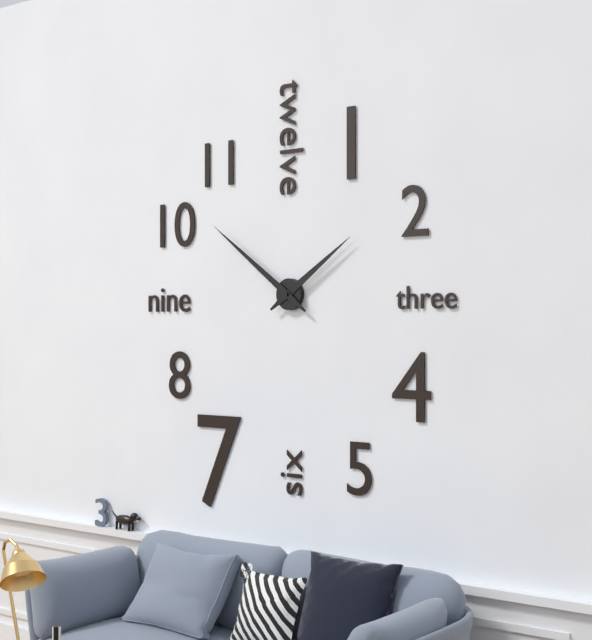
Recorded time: 1:51
